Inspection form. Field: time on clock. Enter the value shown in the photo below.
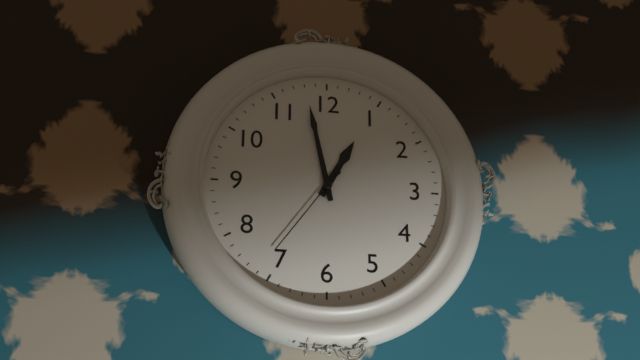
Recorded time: 12:58:36
